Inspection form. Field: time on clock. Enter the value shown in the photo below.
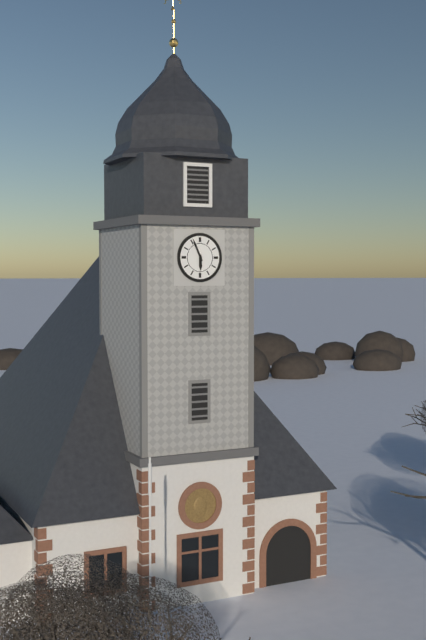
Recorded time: 5:56
